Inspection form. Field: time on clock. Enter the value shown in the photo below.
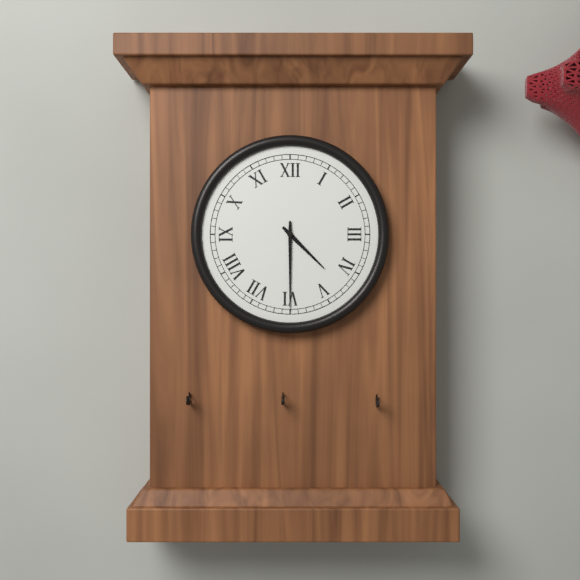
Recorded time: 4:30
